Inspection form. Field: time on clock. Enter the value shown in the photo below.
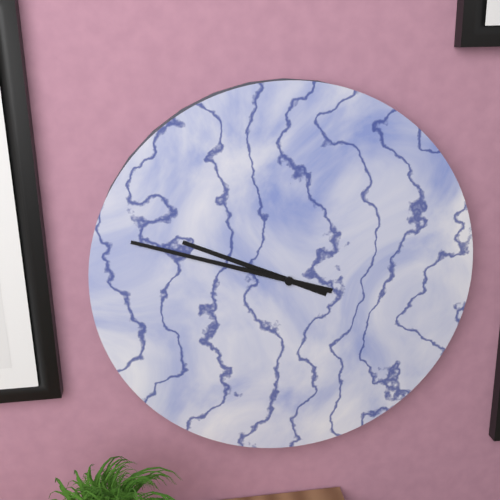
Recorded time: 9:48
